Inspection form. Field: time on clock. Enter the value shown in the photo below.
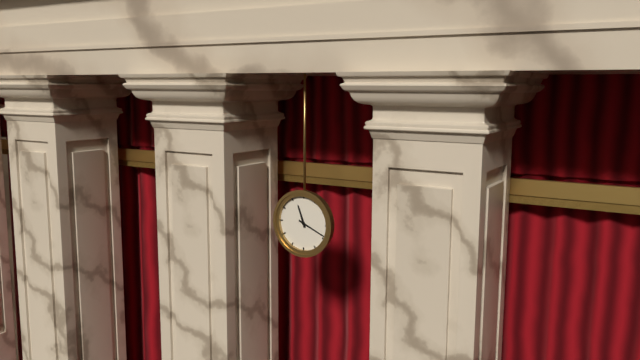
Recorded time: 11:19
